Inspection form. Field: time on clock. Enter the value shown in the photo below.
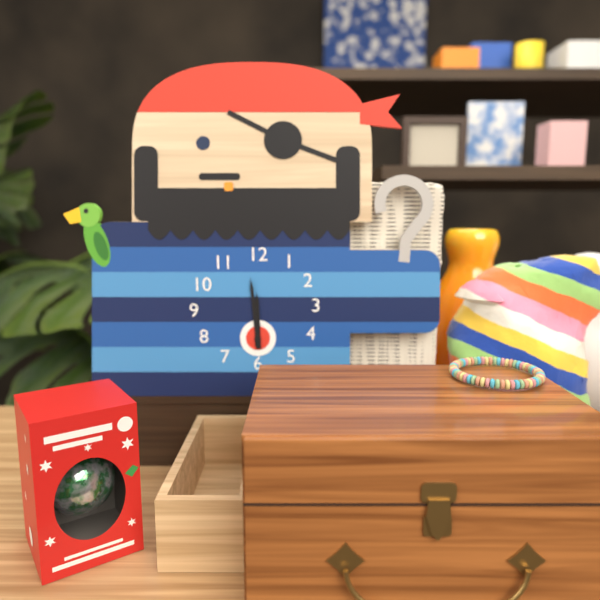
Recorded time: 11:59
